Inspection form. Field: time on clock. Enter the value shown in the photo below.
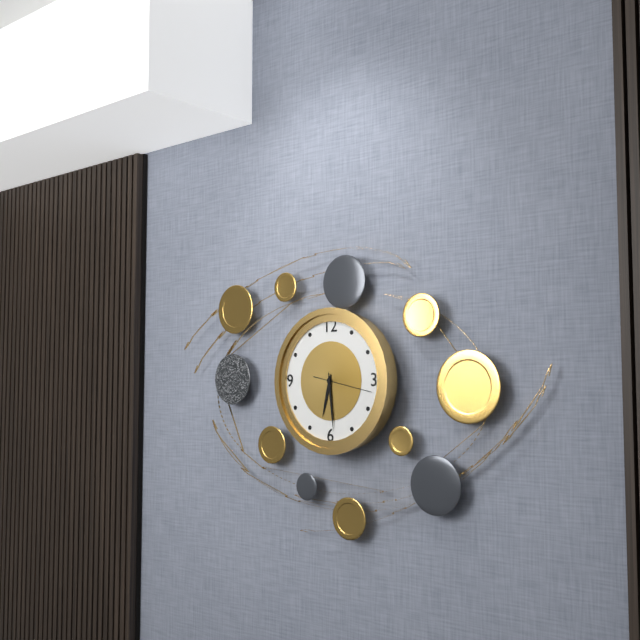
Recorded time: 6:29:17
